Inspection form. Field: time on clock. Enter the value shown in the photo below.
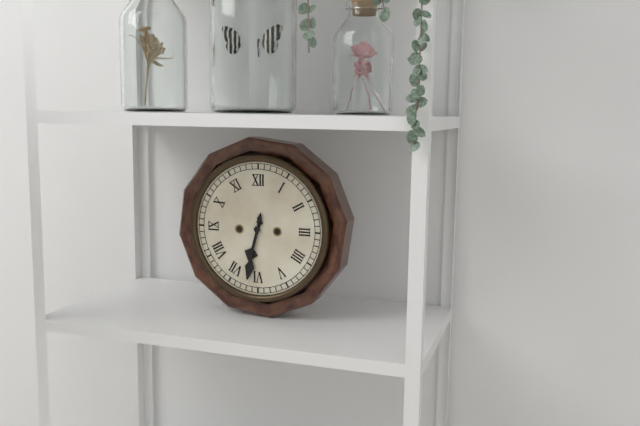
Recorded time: 6:32
